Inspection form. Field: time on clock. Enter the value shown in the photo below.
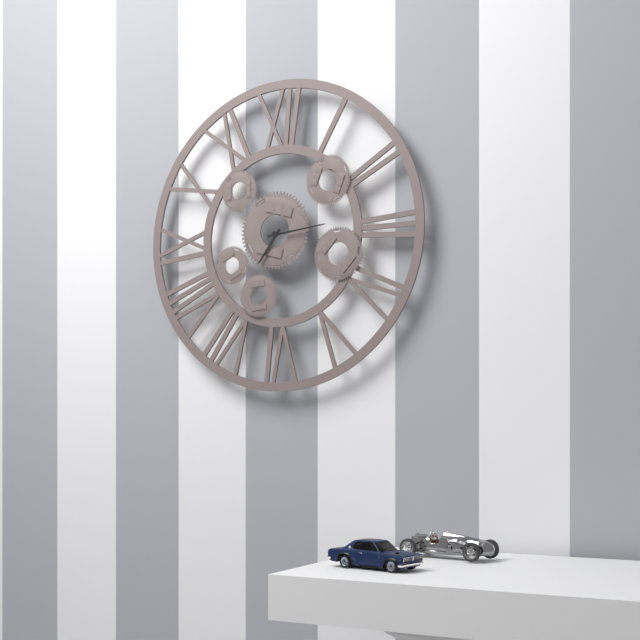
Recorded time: 7:14
